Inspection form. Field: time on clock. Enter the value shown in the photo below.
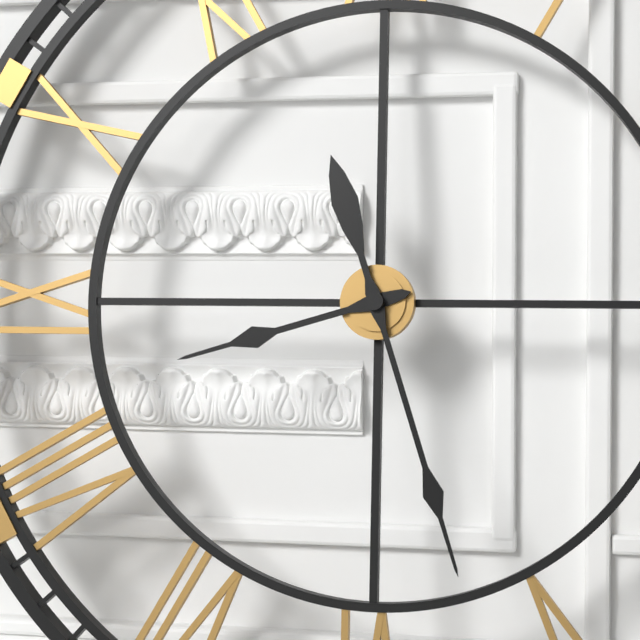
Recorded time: 8:27
